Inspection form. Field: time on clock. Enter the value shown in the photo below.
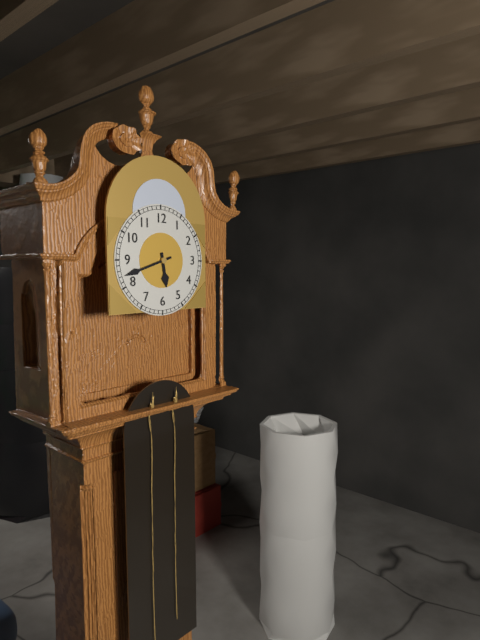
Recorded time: 5:42
